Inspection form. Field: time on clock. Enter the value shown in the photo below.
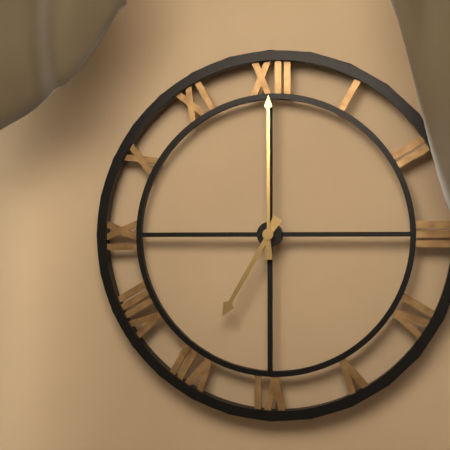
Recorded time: 7:00
